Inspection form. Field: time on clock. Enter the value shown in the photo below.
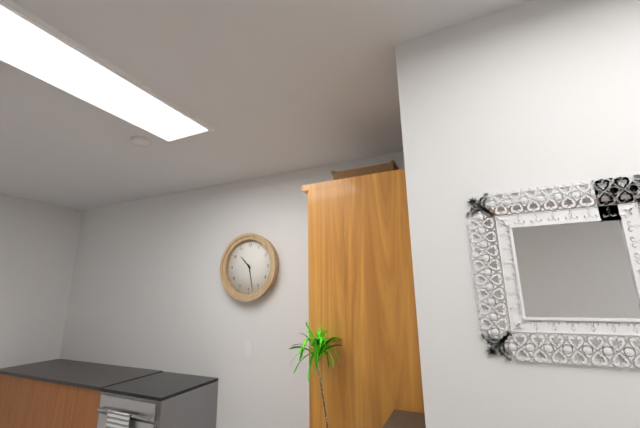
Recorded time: 10:28
